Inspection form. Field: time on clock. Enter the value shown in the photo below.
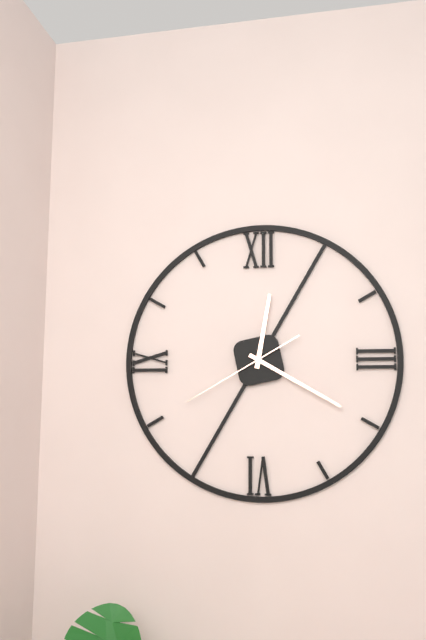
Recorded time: 12:20:40
